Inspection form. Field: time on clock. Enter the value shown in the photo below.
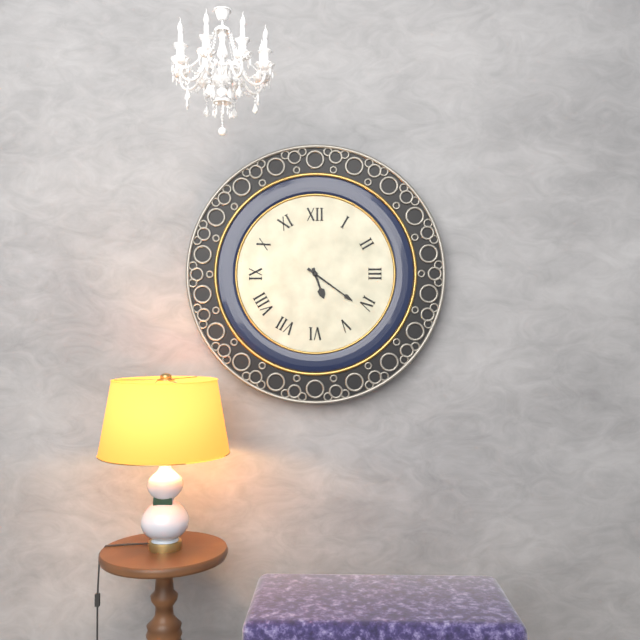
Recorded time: 5:21
